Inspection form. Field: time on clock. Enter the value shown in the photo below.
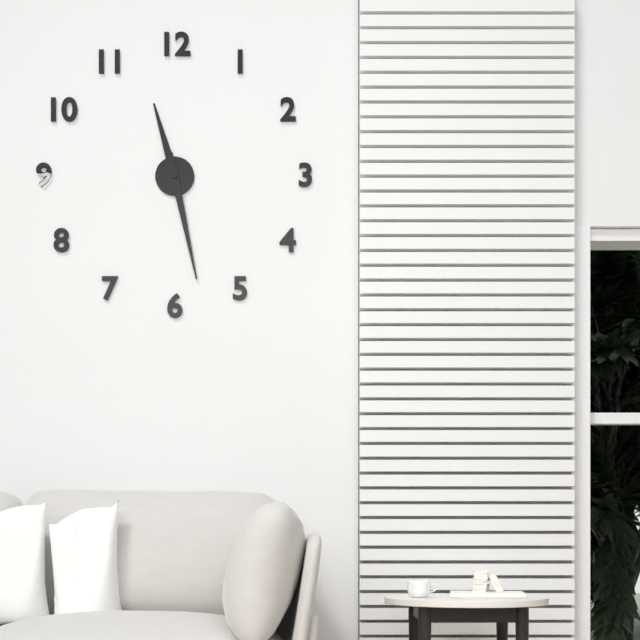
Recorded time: 11:28
